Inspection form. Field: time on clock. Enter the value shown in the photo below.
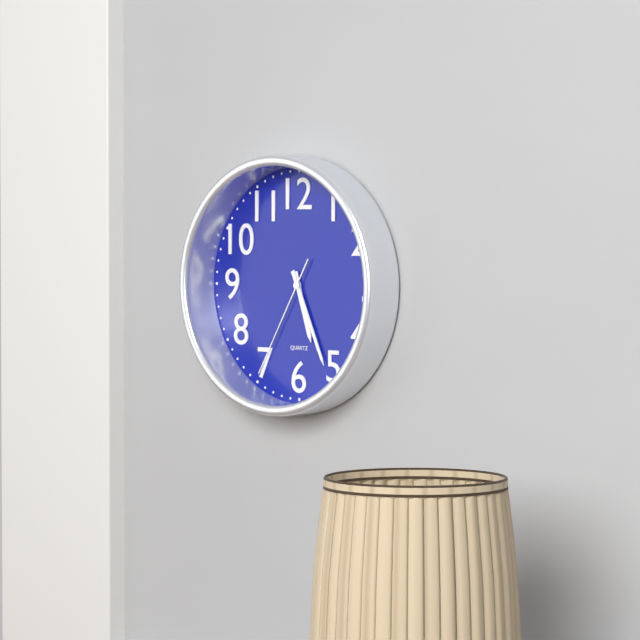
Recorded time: 5:26:35
